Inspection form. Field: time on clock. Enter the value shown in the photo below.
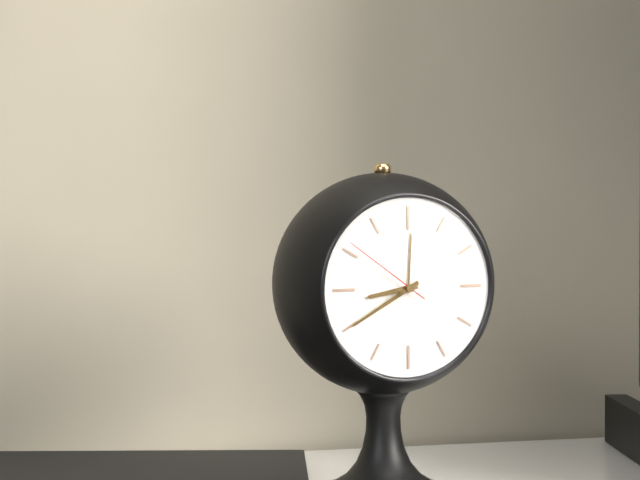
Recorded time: 8:40:51
